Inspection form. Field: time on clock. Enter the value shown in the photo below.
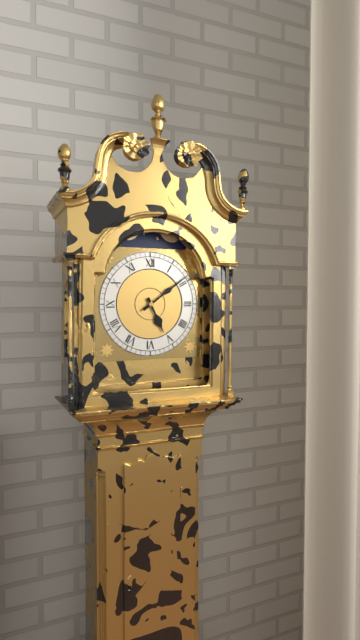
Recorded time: 5:09
